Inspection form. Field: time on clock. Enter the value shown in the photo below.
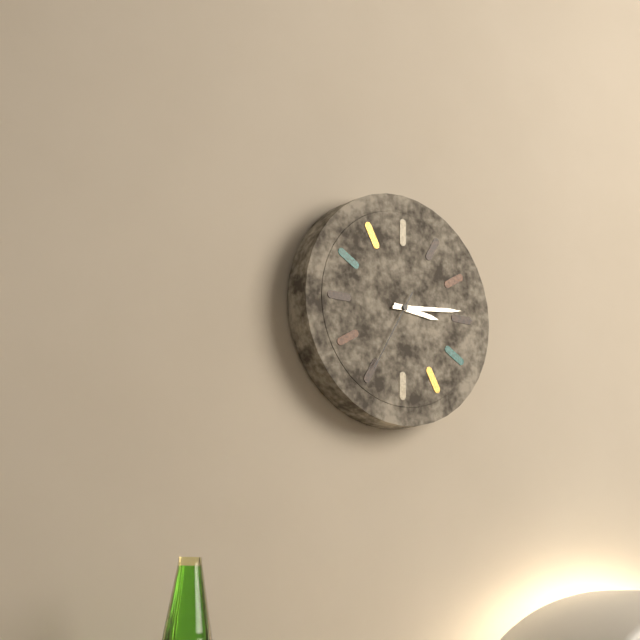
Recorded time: 3:14:35
